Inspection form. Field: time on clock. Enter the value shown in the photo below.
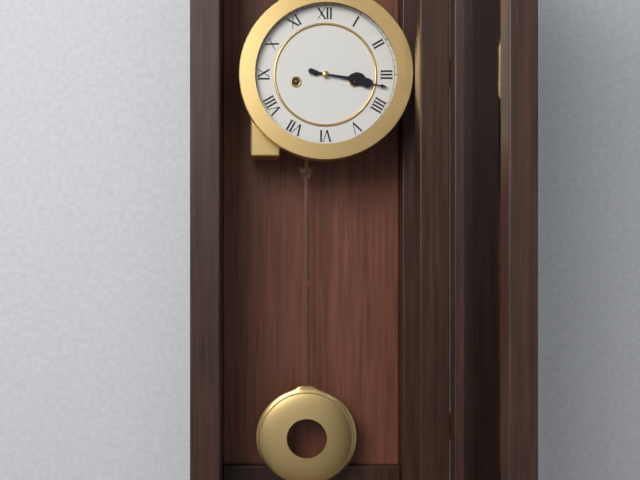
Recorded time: 3:17
